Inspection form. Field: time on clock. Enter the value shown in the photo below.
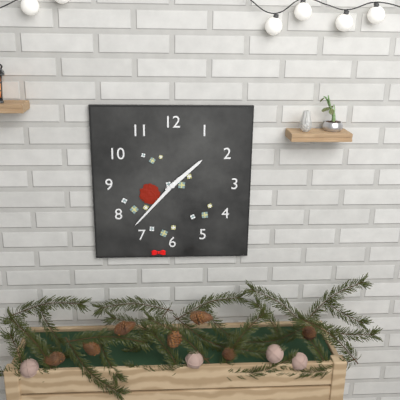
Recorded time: 1:37
